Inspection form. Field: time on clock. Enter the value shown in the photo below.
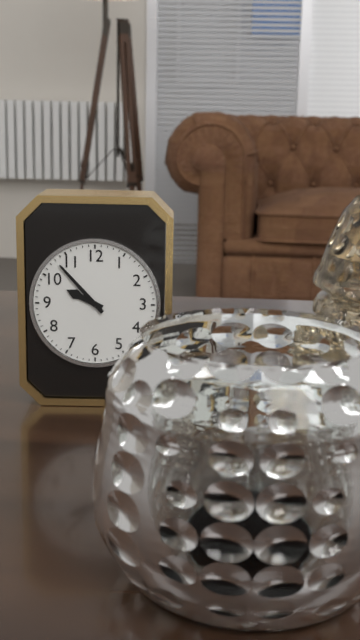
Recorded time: 9:53
